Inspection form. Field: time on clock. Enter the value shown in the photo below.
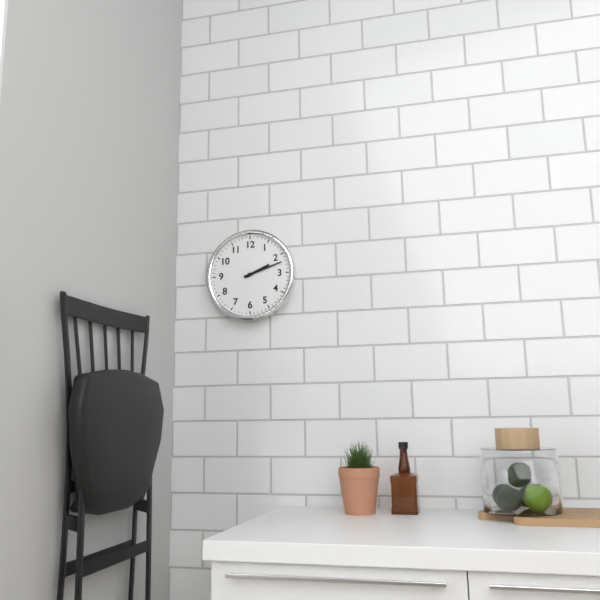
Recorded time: 2:12
